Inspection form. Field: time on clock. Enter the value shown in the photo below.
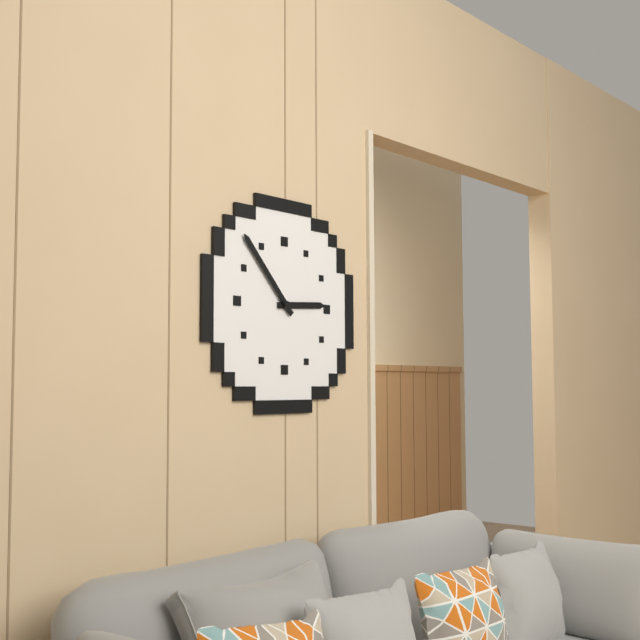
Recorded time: 2:53
